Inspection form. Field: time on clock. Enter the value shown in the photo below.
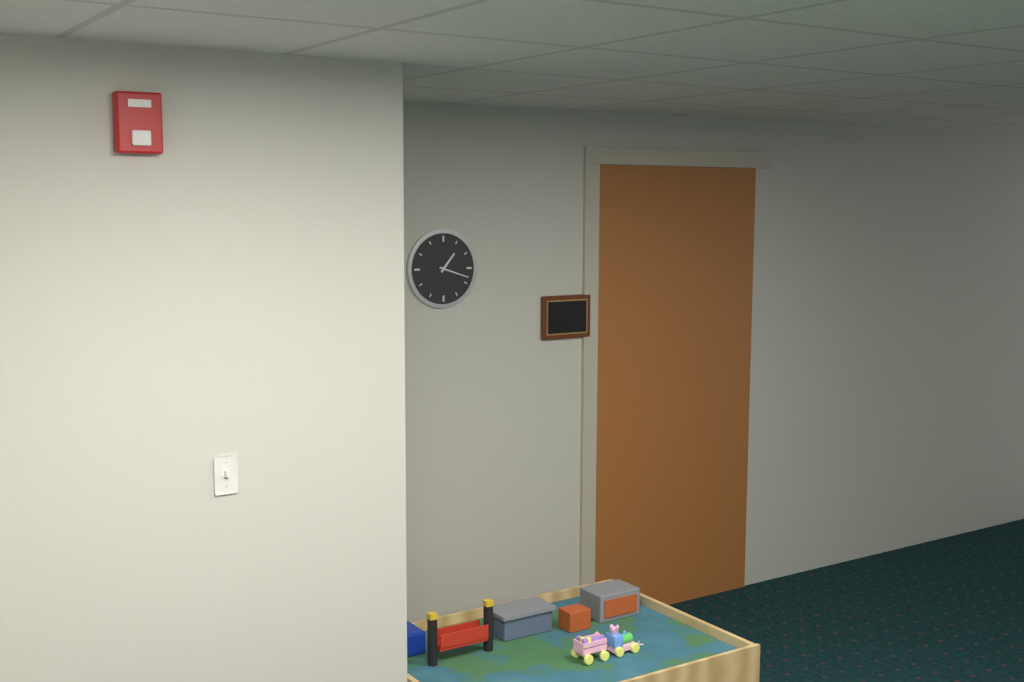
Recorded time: 1:18
